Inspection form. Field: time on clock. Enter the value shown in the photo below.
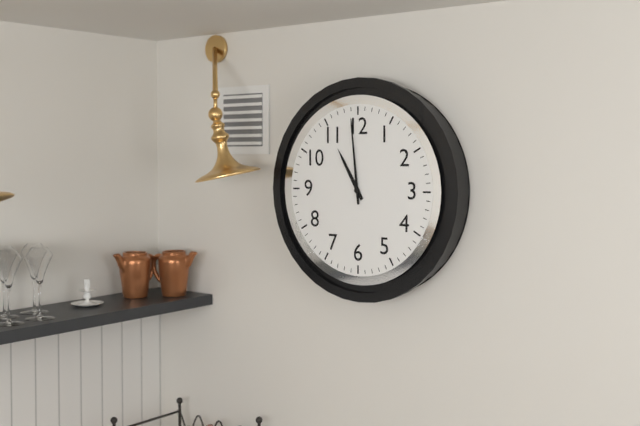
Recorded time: 10:59
